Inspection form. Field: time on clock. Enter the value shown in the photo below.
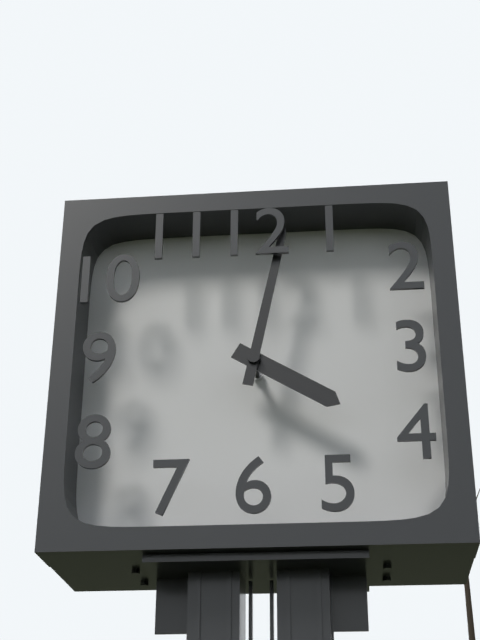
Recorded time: 4:02
